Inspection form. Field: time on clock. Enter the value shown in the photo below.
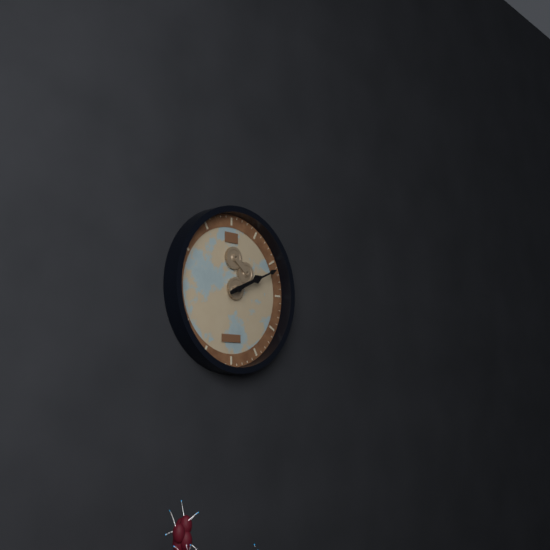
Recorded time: 2:11
